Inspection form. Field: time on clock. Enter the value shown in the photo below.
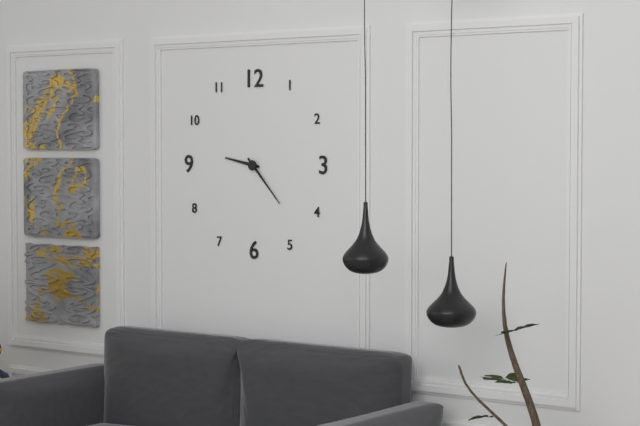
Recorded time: 9:23
